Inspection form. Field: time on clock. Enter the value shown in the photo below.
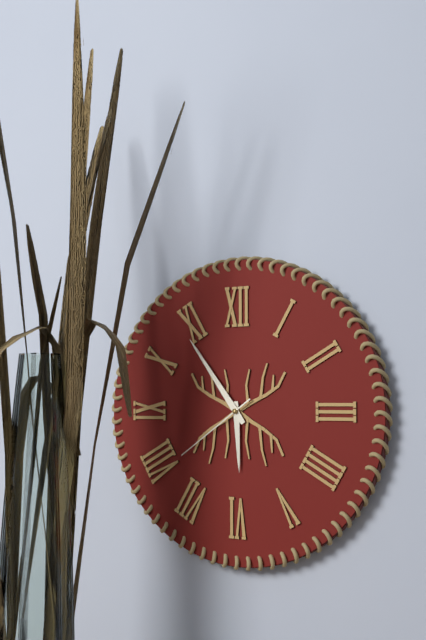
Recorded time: 5:54:39
